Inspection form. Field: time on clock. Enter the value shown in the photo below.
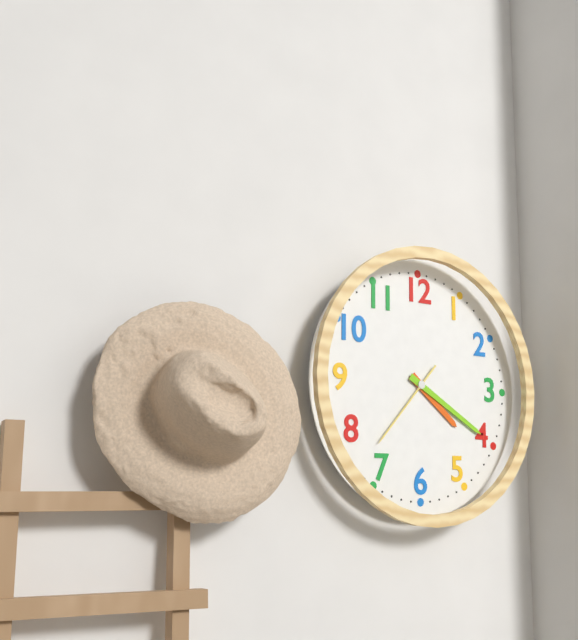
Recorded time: 4:20:37
